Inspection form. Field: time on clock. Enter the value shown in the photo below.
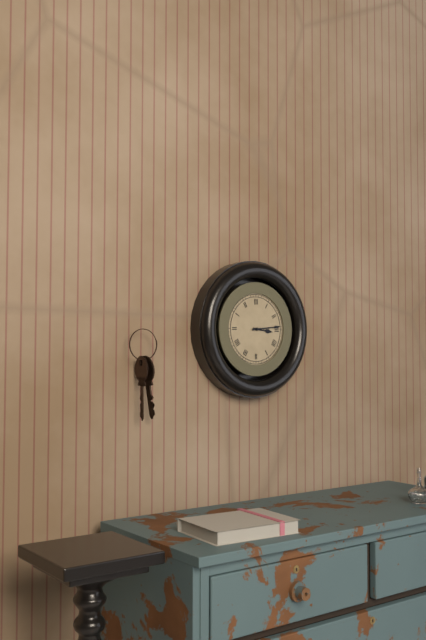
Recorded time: 3:14
